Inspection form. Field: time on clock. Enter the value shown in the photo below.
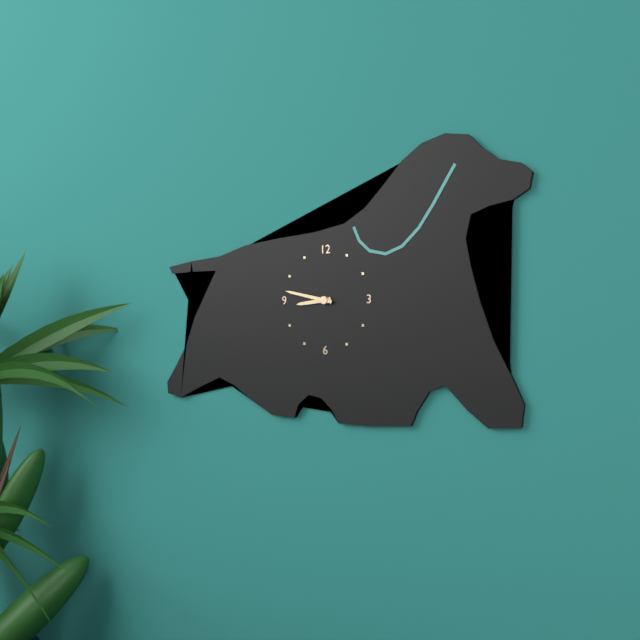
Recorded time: 8:47
